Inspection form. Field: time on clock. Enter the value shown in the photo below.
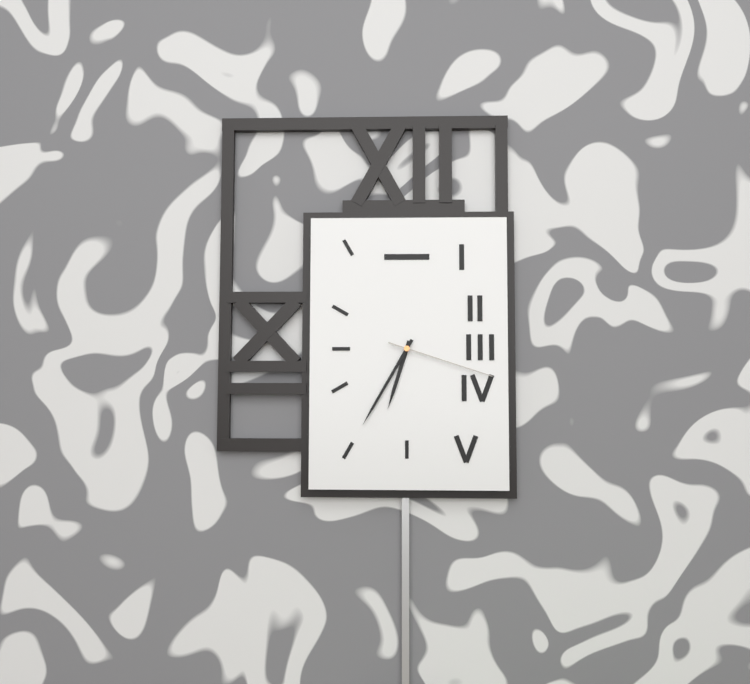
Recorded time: 6:35:18
